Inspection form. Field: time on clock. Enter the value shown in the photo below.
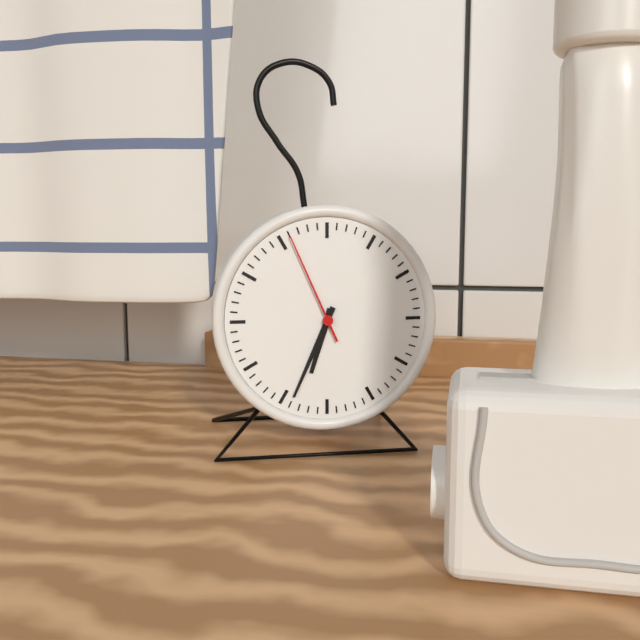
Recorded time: 6:34:56
